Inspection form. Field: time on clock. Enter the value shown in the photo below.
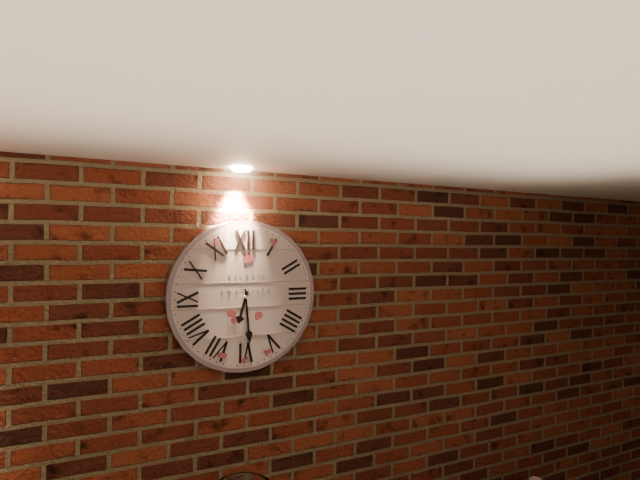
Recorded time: 6:29
